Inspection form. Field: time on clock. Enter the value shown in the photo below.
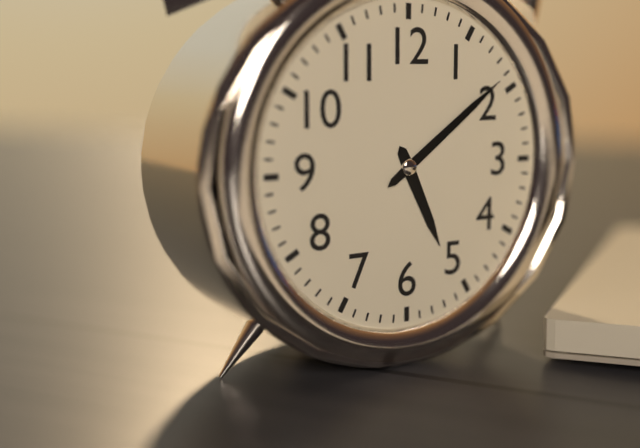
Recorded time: 5:09
